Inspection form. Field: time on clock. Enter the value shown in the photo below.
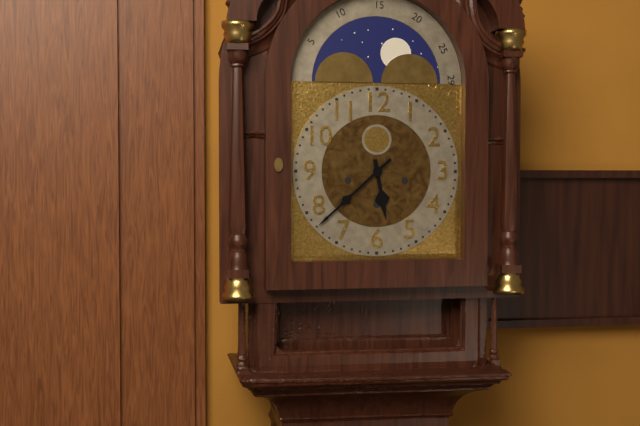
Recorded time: 5:38
